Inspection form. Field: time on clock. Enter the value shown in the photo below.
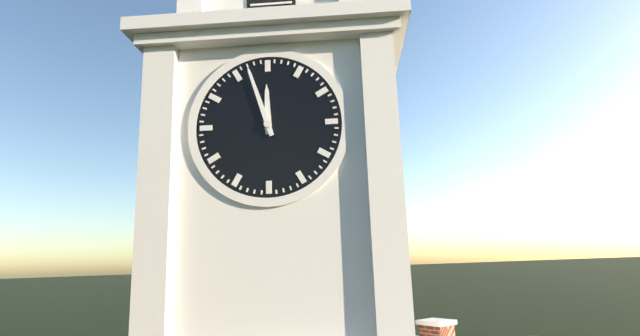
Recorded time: 11:57
